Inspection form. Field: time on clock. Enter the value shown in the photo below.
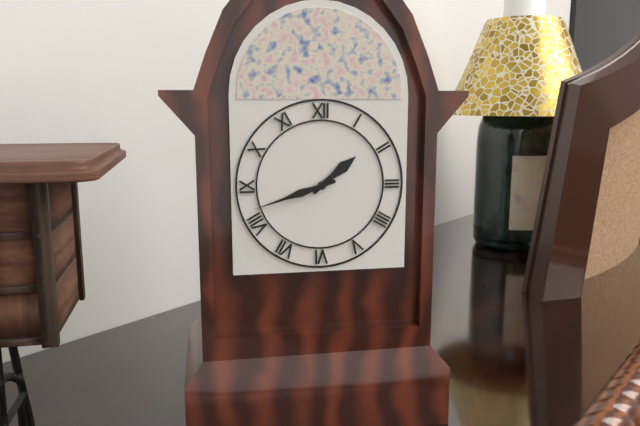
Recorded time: 1:42
